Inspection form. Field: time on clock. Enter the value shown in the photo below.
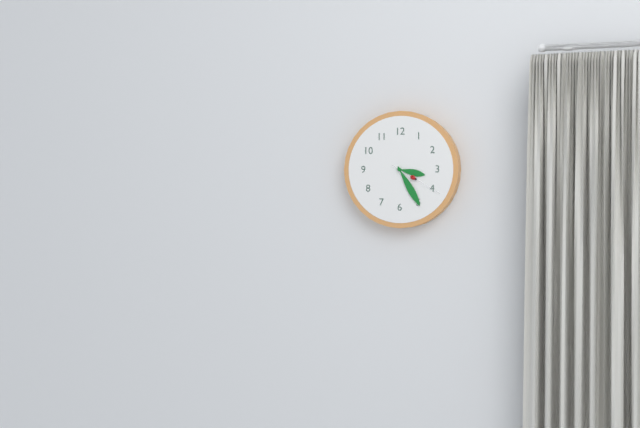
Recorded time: 3:25:20
